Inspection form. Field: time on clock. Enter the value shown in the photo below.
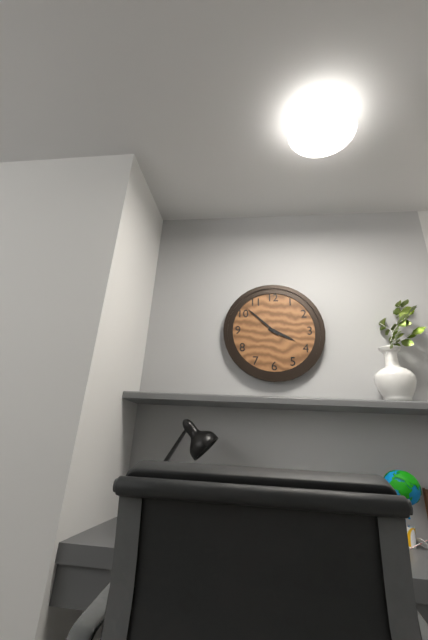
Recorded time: 3:52
